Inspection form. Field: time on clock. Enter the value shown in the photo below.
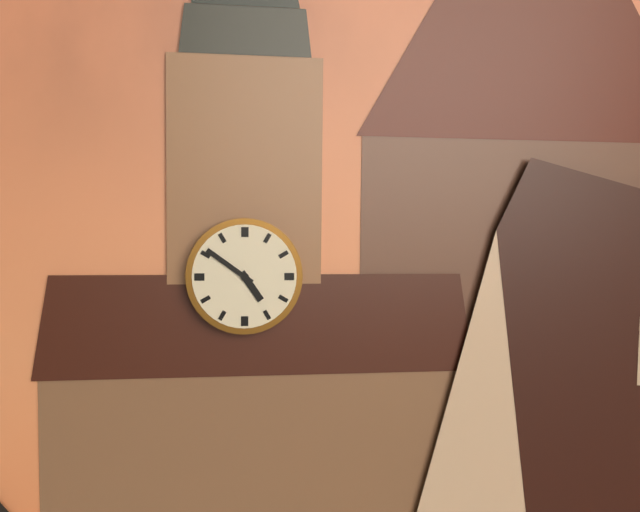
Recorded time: 4:51
